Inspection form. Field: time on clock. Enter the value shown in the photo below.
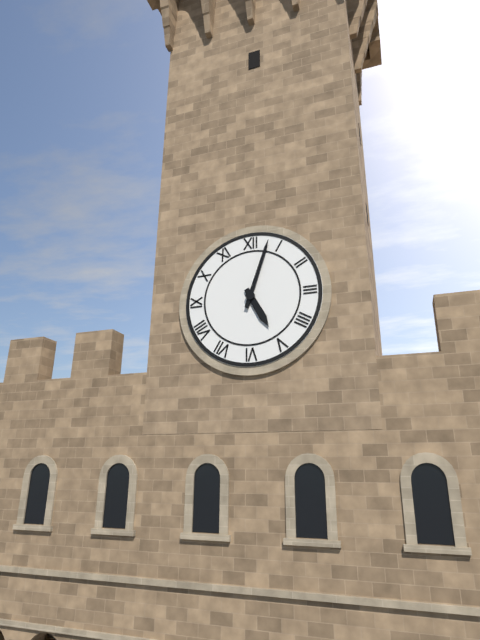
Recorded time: 5:03
